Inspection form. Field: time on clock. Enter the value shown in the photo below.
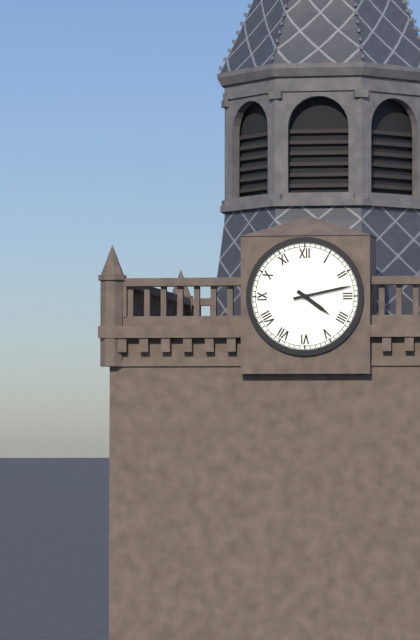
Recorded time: 4:13
